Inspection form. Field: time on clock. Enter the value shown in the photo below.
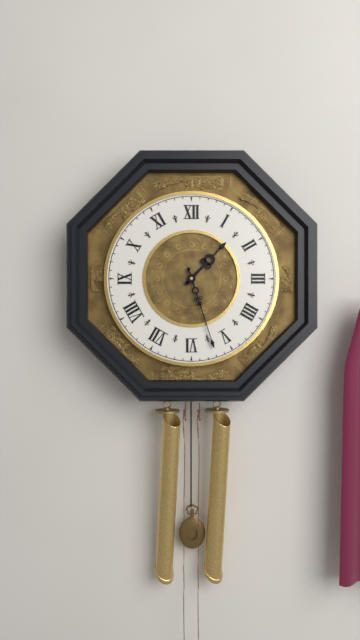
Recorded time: 1:27
